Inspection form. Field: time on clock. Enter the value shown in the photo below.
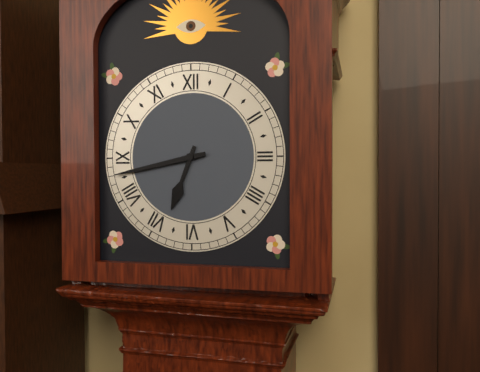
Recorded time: 6:43
